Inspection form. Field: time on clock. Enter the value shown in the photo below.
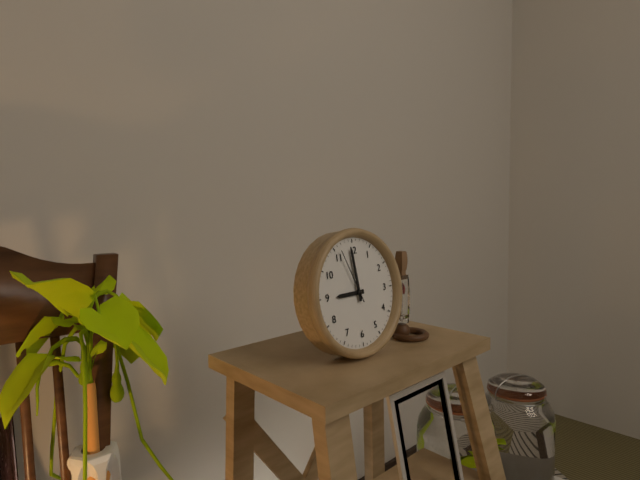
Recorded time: 8:59:56
